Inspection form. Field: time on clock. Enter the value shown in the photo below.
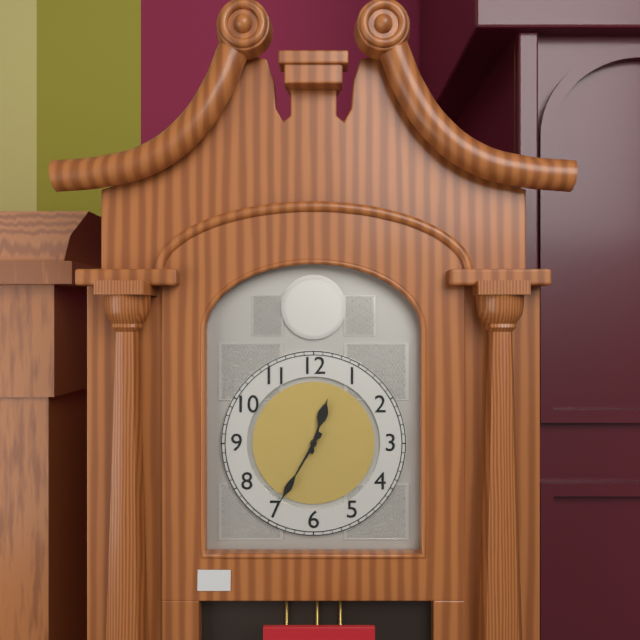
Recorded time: 12:35
